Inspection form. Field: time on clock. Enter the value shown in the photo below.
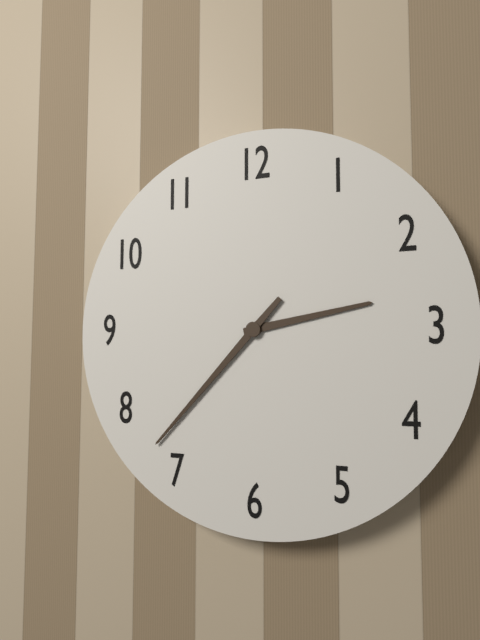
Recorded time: 2:37
